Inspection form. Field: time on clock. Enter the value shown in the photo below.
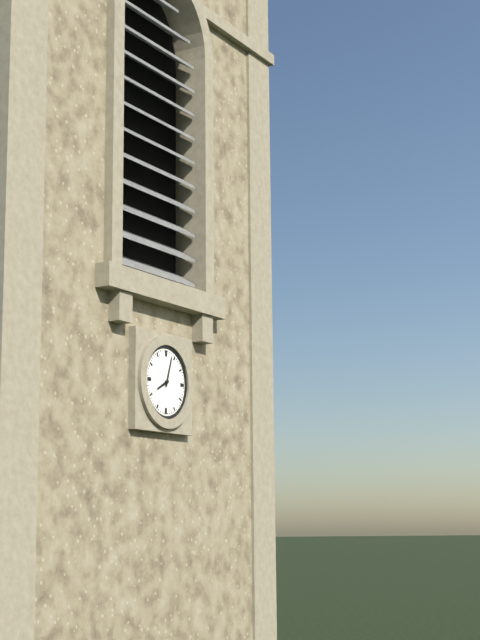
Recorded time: 8:03
